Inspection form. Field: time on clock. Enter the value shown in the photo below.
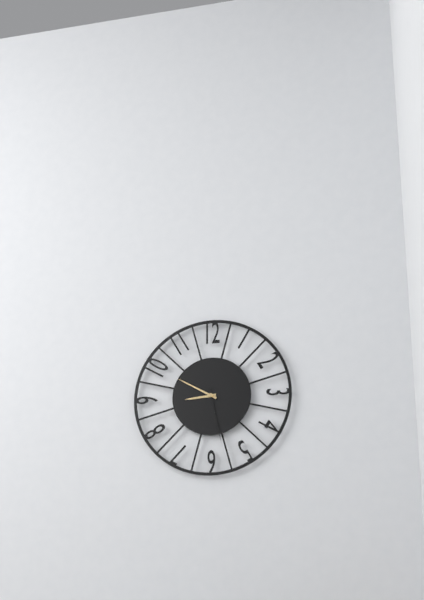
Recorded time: 8:50:28
